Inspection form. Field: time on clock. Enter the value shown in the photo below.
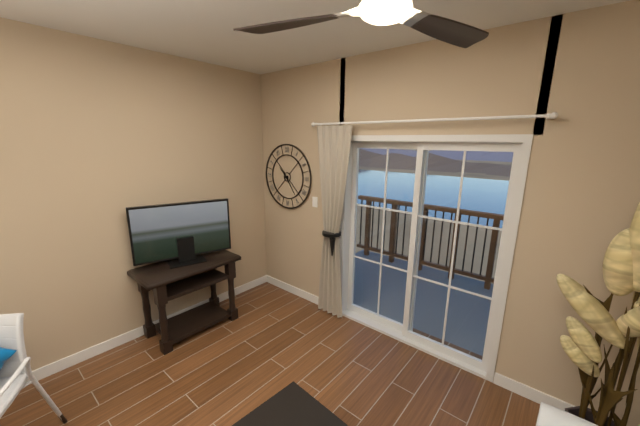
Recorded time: 10:24
